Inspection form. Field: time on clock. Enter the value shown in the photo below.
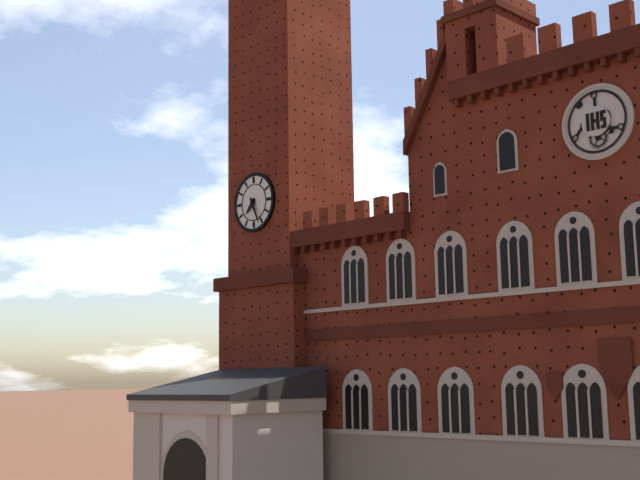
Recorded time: 7:26
